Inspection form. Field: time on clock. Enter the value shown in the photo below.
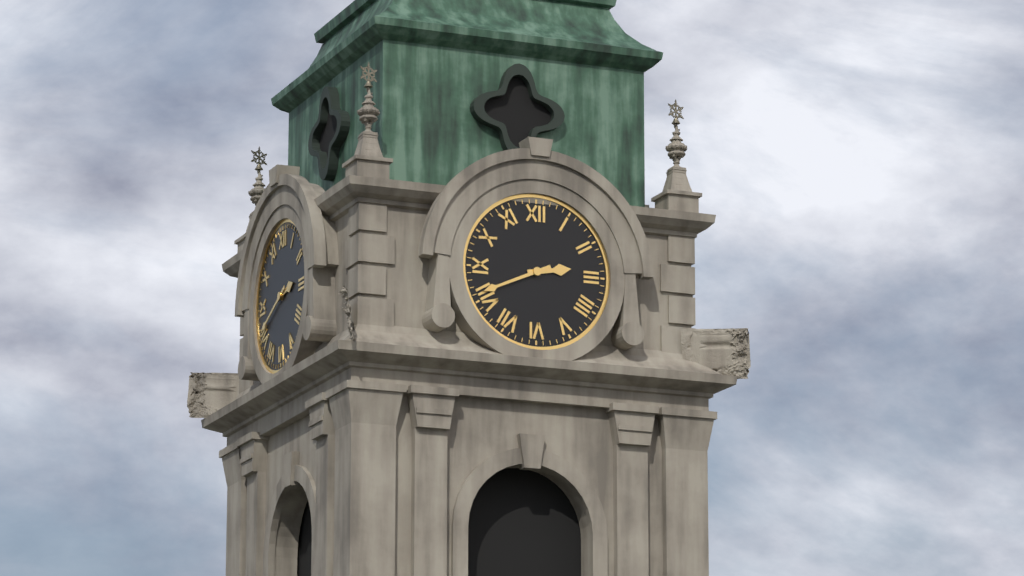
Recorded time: 2:41
